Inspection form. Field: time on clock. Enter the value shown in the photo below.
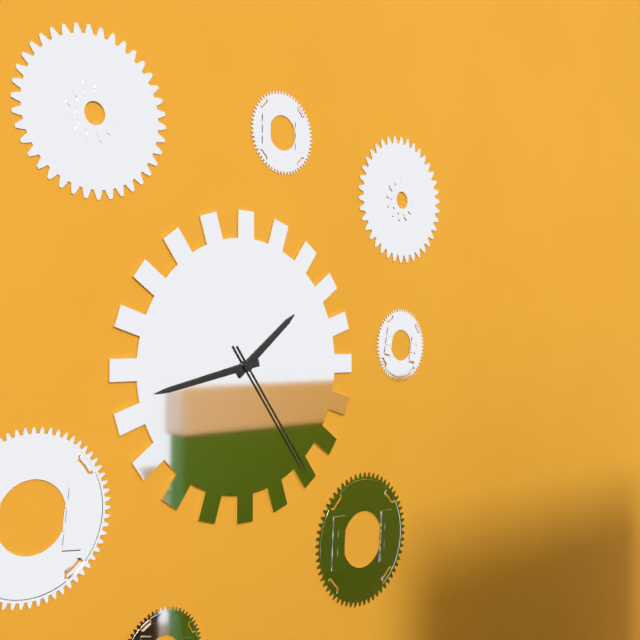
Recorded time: 1:43:24
